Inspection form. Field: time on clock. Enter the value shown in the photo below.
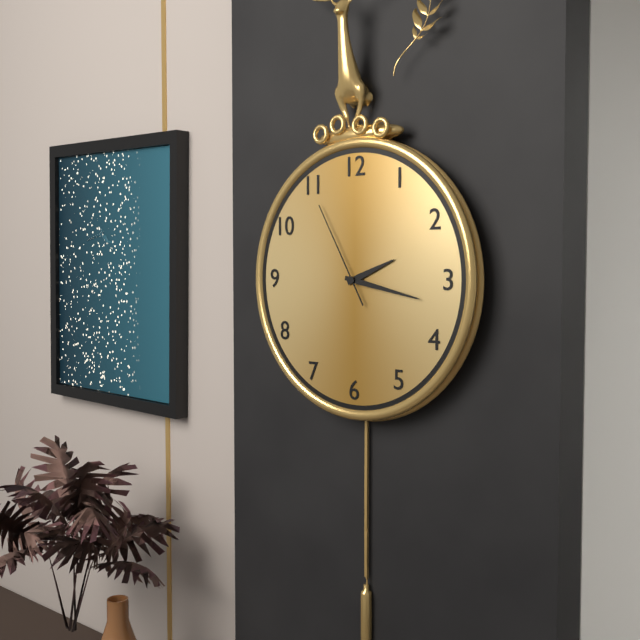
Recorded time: 2:17:55
